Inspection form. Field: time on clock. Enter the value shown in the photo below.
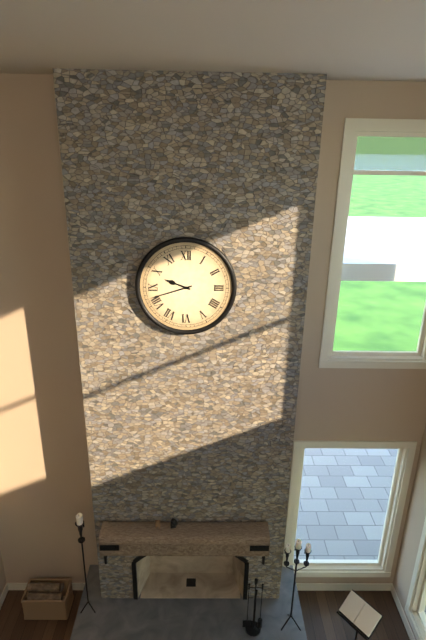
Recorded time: 9:42
